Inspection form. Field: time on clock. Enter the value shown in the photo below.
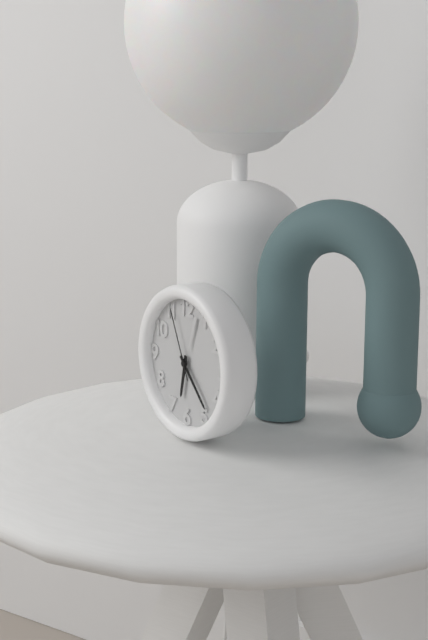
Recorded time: 6:23:56
